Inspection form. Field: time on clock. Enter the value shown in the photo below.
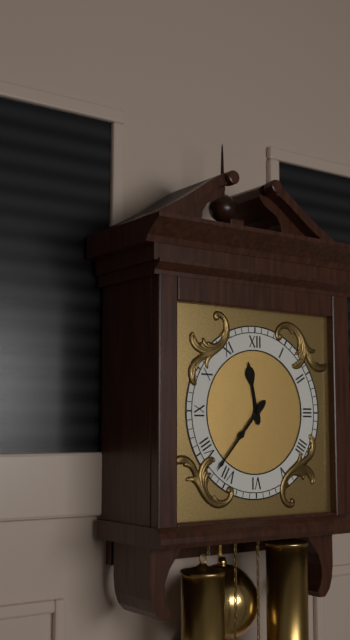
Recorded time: 11:37
